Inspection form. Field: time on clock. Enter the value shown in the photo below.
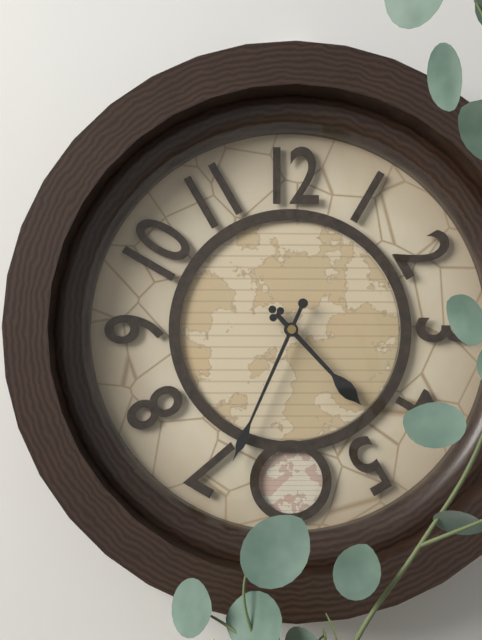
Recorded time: 4:34
